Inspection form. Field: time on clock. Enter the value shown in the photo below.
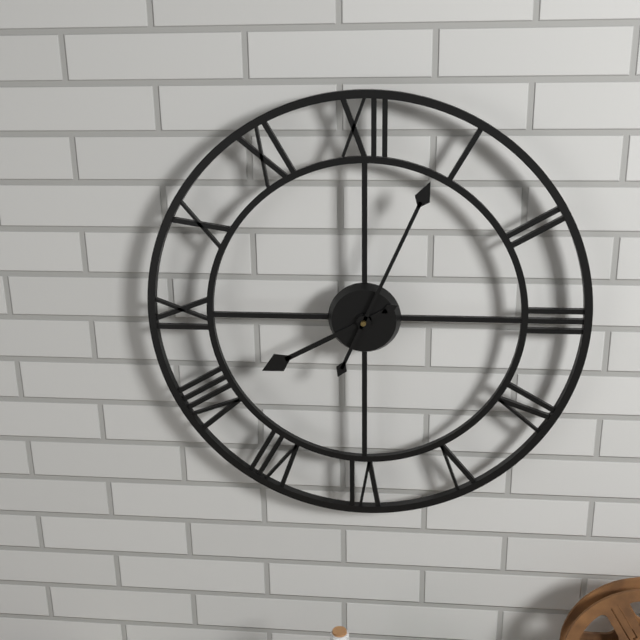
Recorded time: 8:04
